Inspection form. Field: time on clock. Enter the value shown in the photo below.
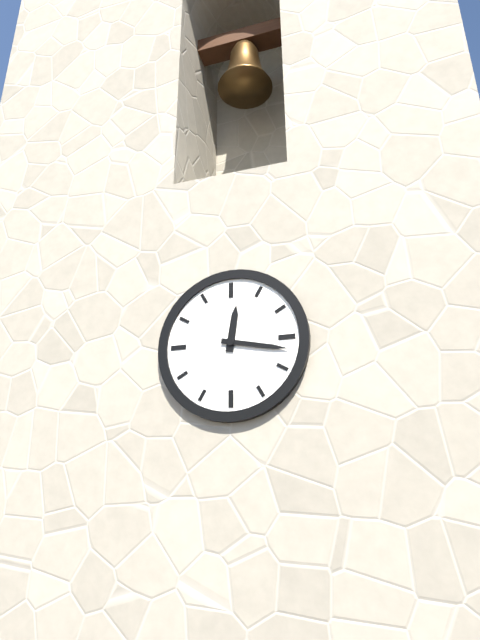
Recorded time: 12:17
